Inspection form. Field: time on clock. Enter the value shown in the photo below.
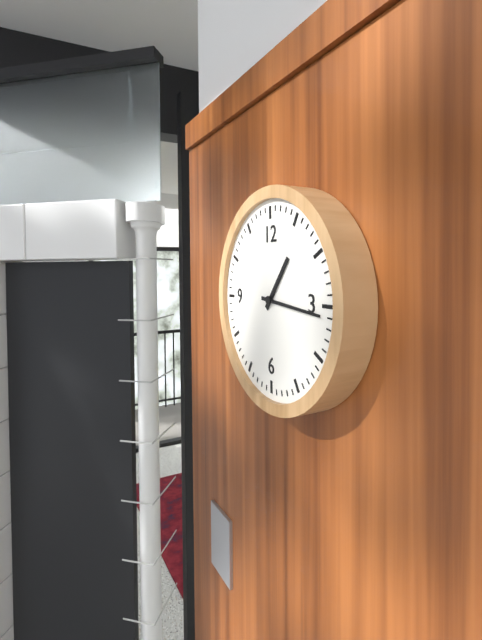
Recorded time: 1:16
